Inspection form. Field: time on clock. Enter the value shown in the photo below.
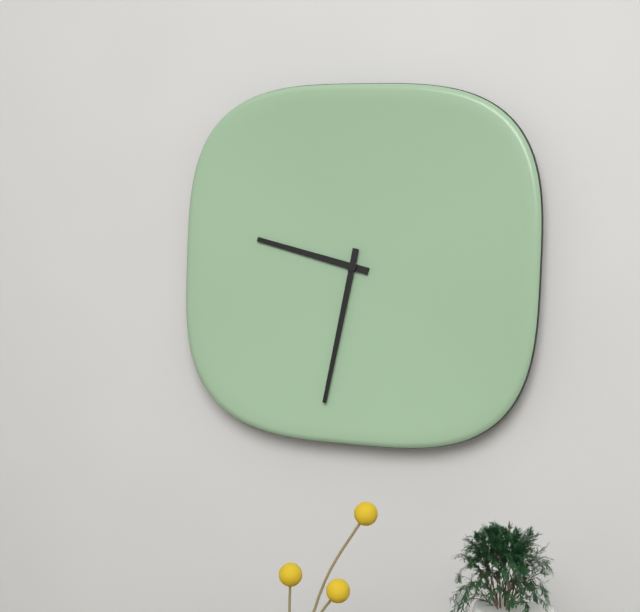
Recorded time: 9:32
